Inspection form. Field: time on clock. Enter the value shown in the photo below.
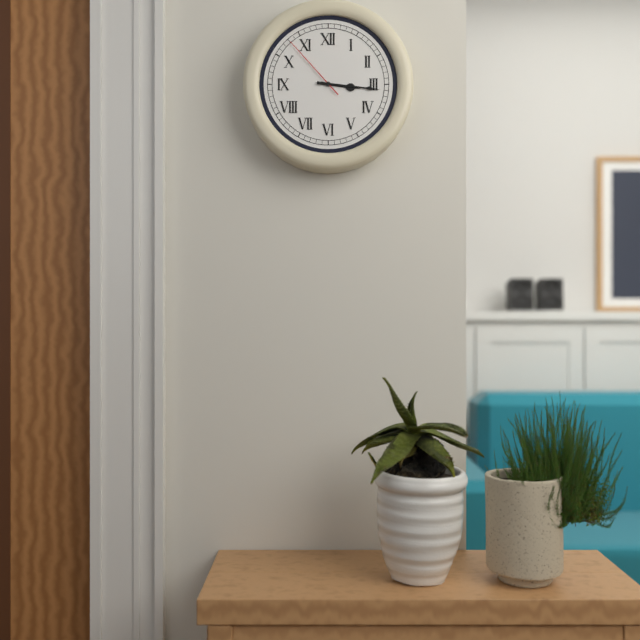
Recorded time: 3:16:53
